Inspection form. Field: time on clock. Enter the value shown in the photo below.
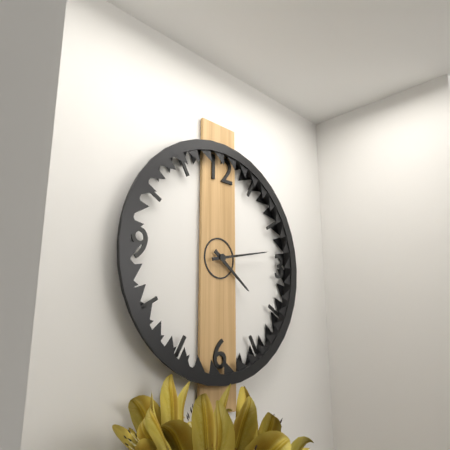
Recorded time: 4:13
